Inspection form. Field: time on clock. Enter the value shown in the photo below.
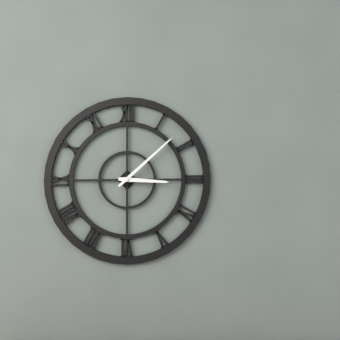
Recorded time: 3:08
